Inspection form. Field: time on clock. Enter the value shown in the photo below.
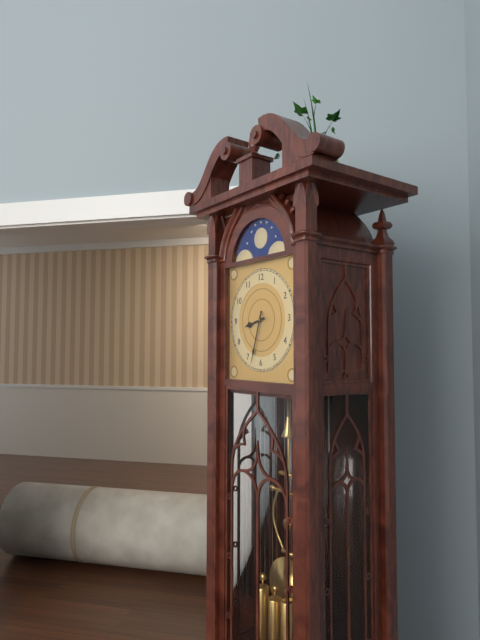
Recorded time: 8:33
